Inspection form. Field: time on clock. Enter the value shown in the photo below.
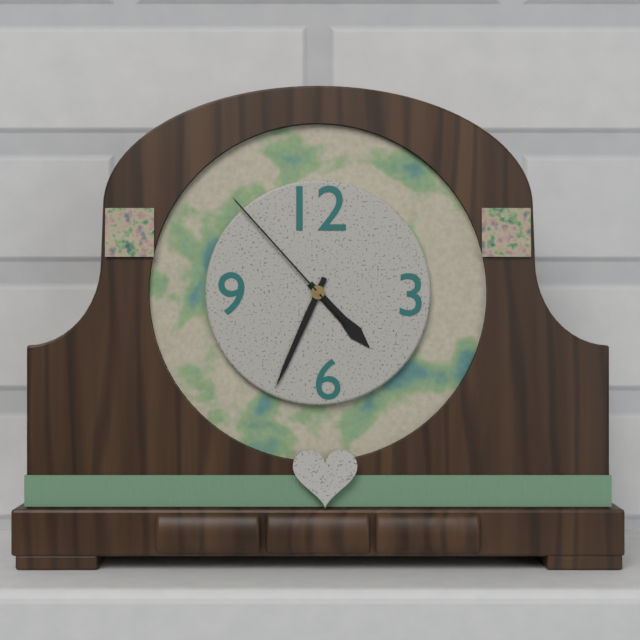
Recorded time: 4:34:53
